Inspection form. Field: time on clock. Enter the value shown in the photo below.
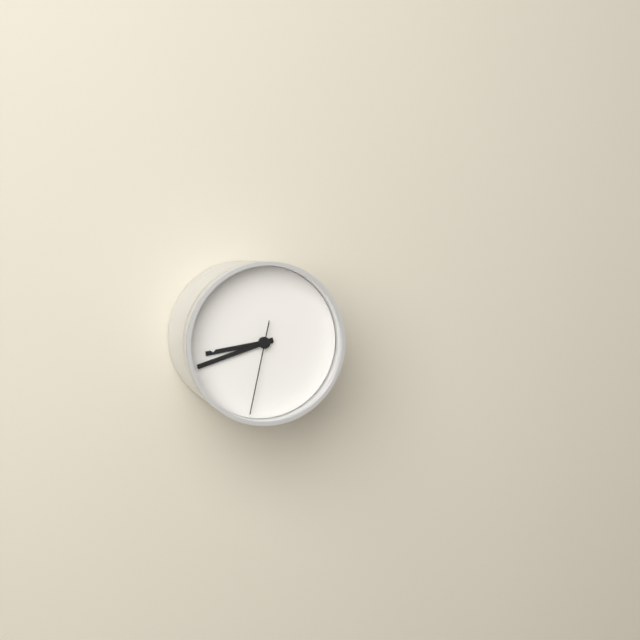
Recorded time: 8:42:32
